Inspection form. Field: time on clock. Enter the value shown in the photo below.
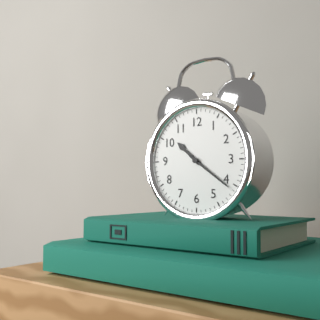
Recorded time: 10:21
